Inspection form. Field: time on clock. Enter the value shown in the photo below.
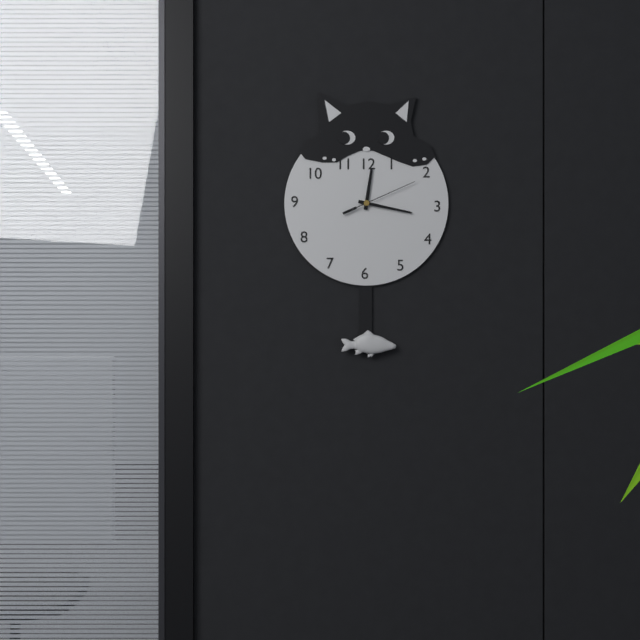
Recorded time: 12:17:11
